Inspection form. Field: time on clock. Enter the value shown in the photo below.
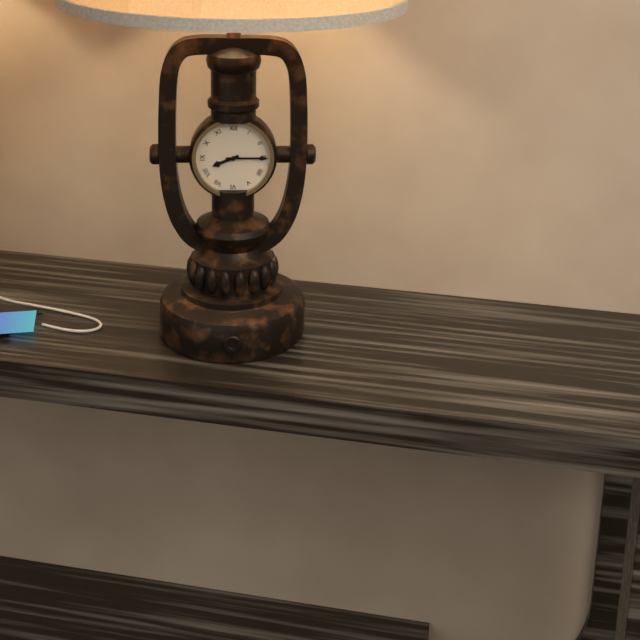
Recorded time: 8:15
